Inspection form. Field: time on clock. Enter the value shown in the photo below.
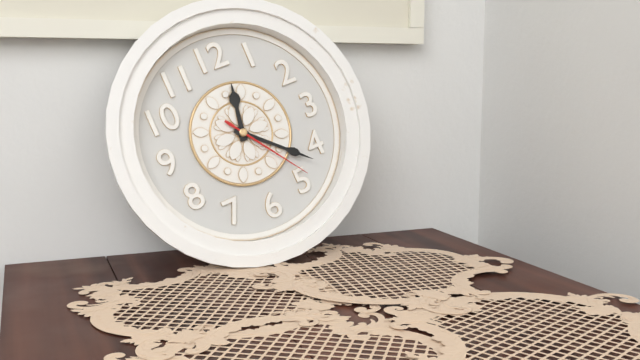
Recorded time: 12:22:24
